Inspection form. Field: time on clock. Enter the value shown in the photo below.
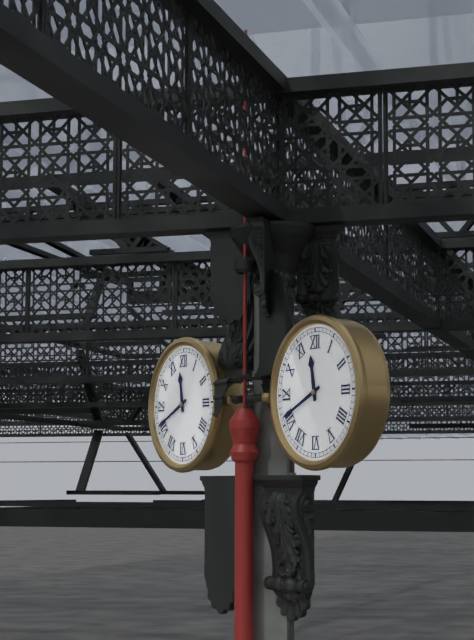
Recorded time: 11:41
